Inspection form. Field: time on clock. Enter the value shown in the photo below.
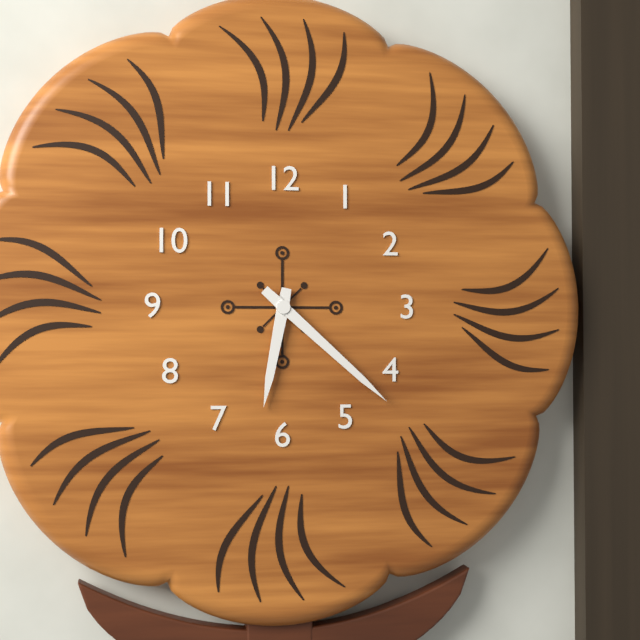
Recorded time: 6:22
